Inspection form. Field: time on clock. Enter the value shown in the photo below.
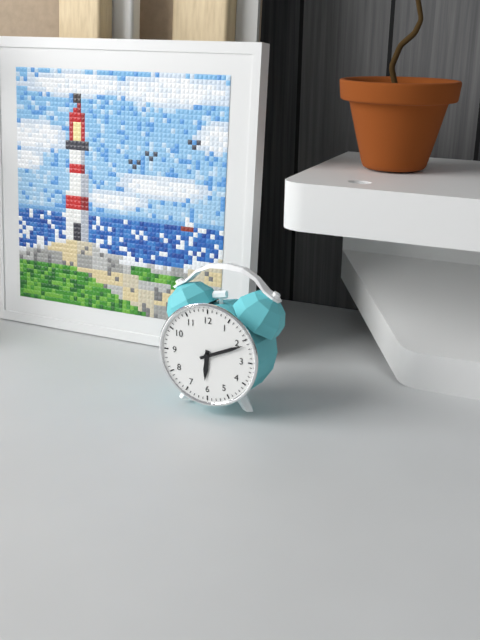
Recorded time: 6:11
